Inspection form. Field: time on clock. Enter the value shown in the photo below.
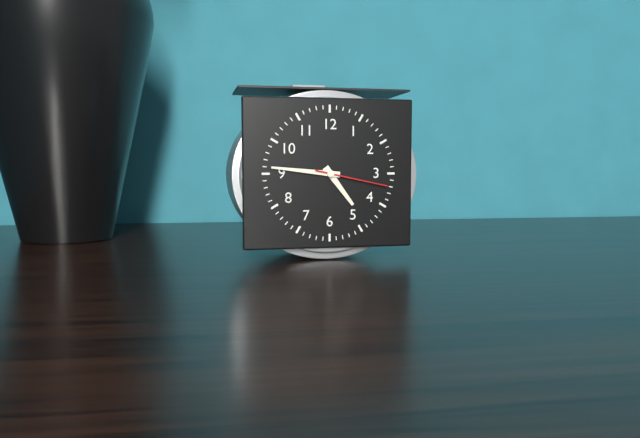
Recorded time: 4:46:17
